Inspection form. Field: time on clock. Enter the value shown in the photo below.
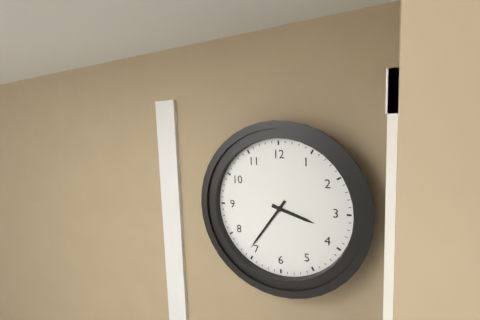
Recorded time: 3:36
